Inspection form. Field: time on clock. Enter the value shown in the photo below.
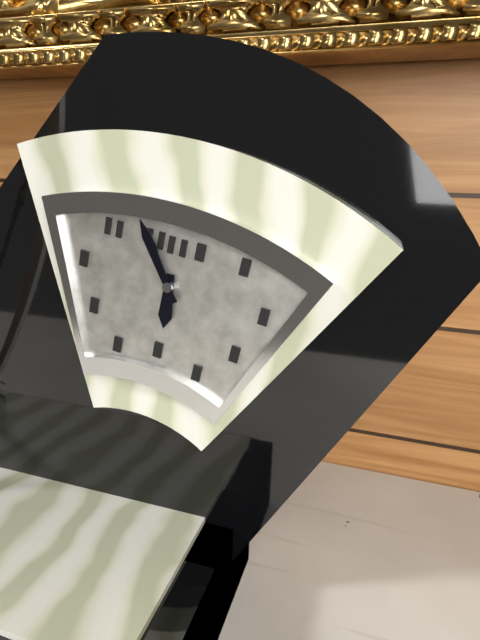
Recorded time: 5:54
